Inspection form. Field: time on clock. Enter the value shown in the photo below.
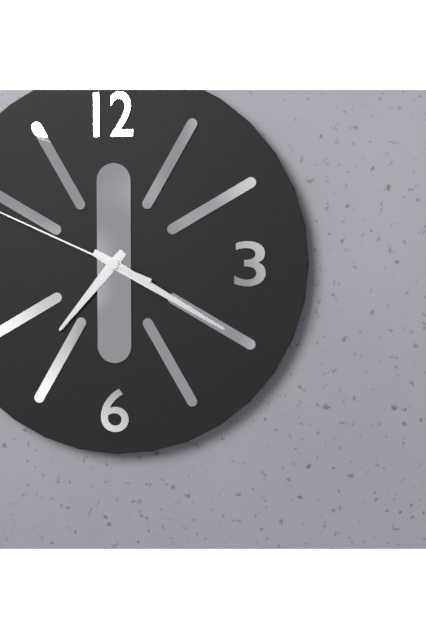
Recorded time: 7:20
